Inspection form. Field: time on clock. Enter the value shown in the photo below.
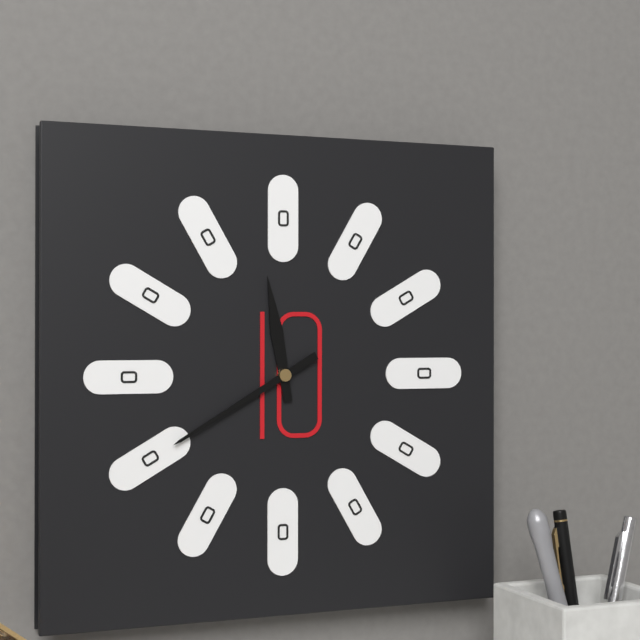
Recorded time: 11:40
